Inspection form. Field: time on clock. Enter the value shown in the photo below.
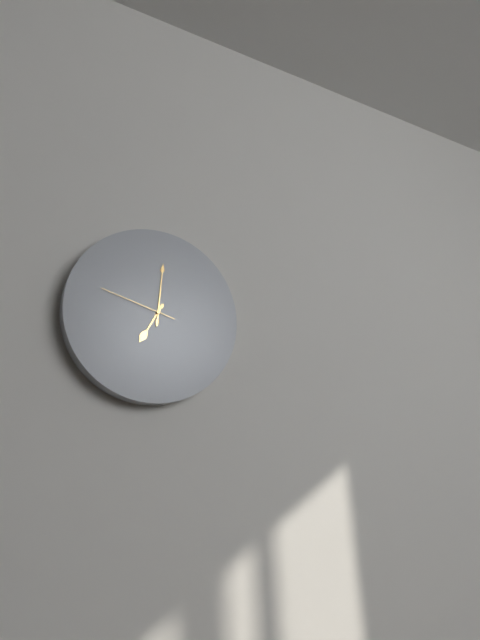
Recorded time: 7:01:48
